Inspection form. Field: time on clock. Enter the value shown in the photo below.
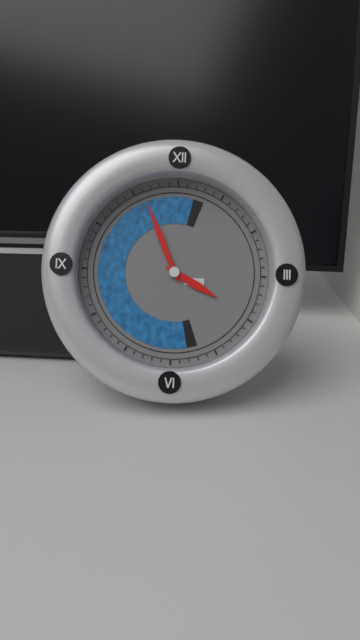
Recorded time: 3:56
